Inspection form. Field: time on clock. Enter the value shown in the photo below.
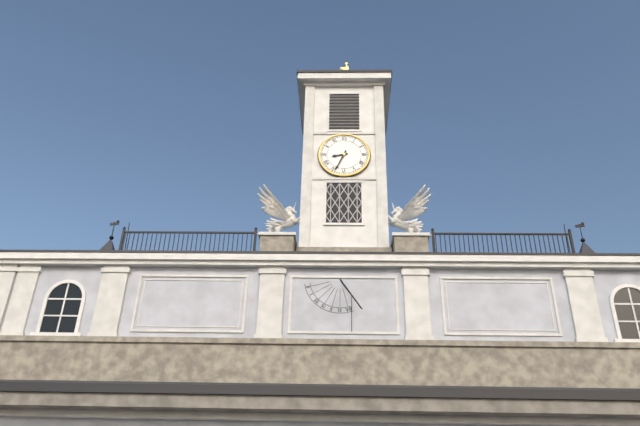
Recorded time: 8:34
